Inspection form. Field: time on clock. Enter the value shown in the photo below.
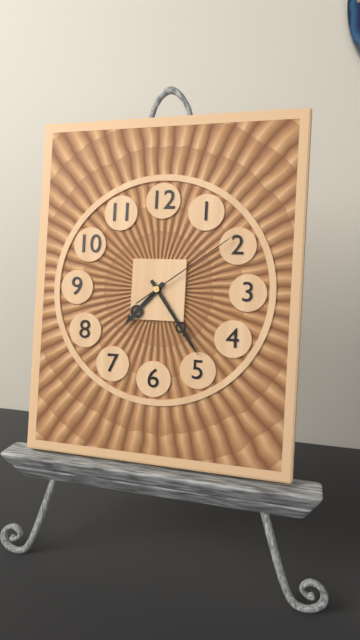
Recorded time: 7:24:09
